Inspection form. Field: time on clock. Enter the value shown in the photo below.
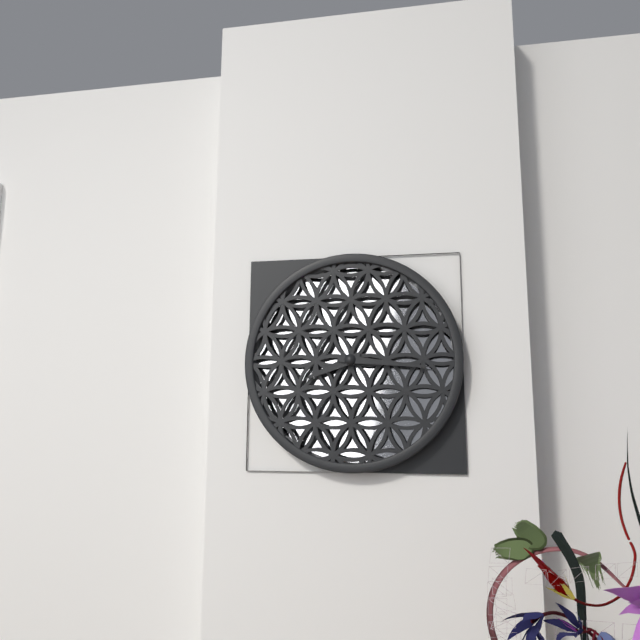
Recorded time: 8:16
